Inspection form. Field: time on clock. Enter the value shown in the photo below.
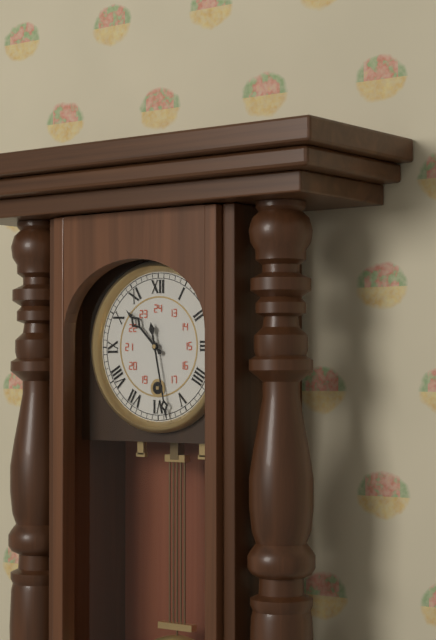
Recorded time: 10:28
